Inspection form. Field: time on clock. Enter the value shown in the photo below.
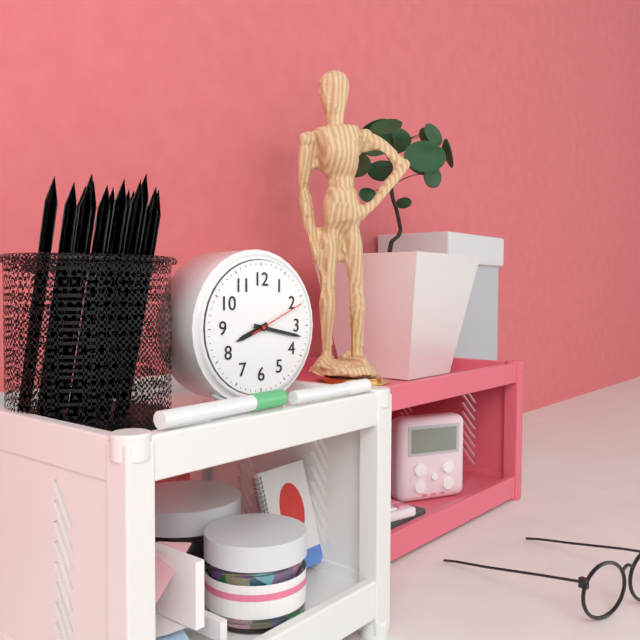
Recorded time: 8:17:11
